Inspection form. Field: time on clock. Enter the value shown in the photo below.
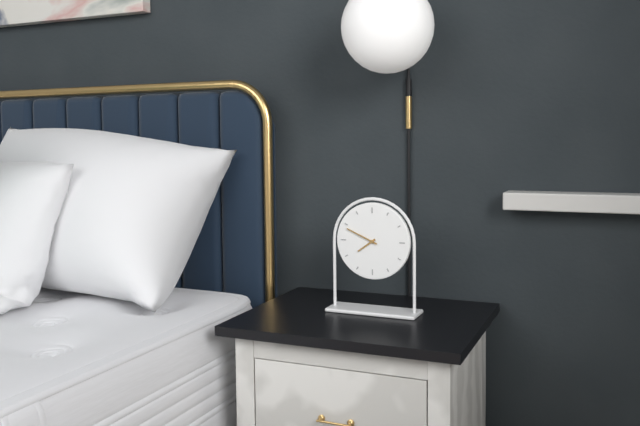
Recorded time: 7:49
